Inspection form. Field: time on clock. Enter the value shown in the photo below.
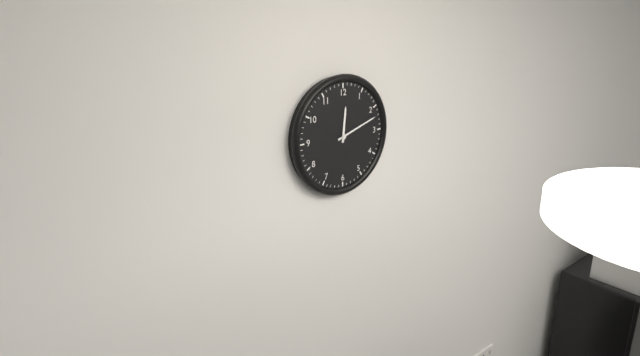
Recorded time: 12:12
